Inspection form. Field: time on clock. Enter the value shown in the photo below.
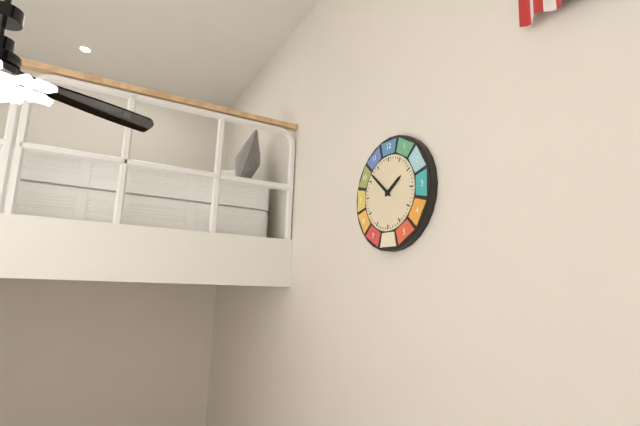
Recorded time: 1:52
